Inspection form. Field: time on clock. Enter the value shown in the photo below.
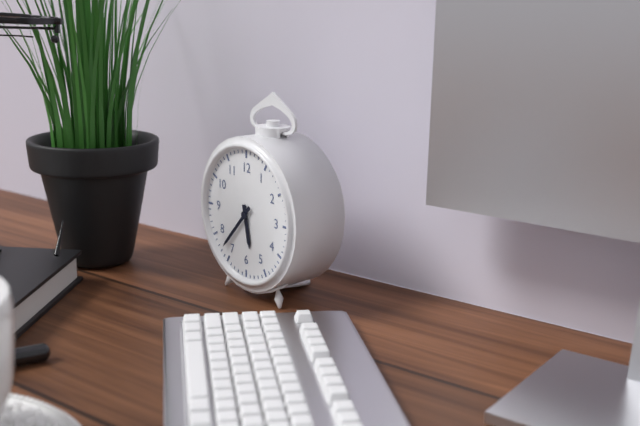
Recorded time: 5:37
